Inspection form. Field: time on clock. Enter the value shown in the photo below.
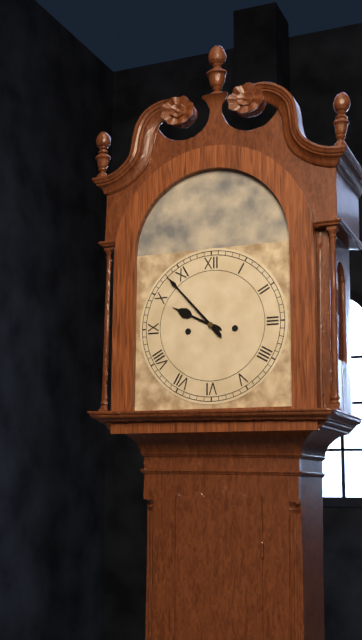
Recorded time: 9:53
